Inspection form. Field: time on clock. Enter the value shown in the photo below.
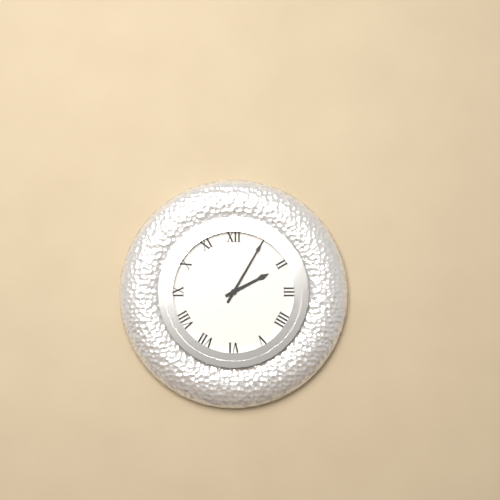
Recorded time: 2:05
